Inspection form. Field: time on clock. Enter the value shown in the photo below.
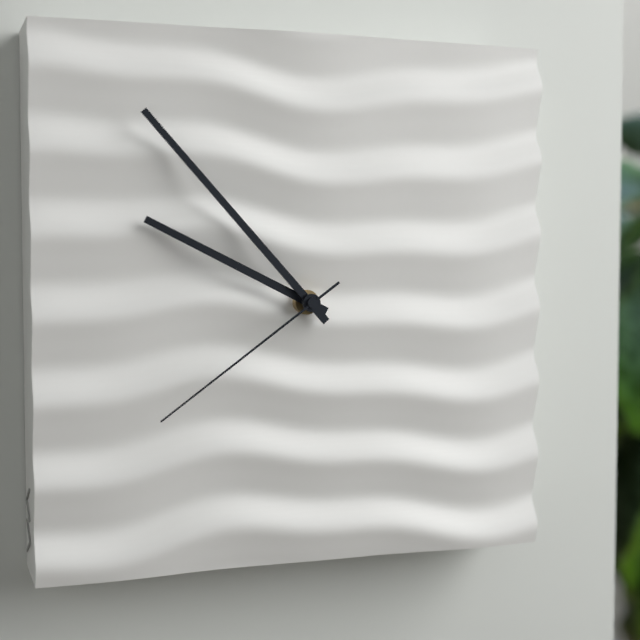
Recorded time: 9:53:39
